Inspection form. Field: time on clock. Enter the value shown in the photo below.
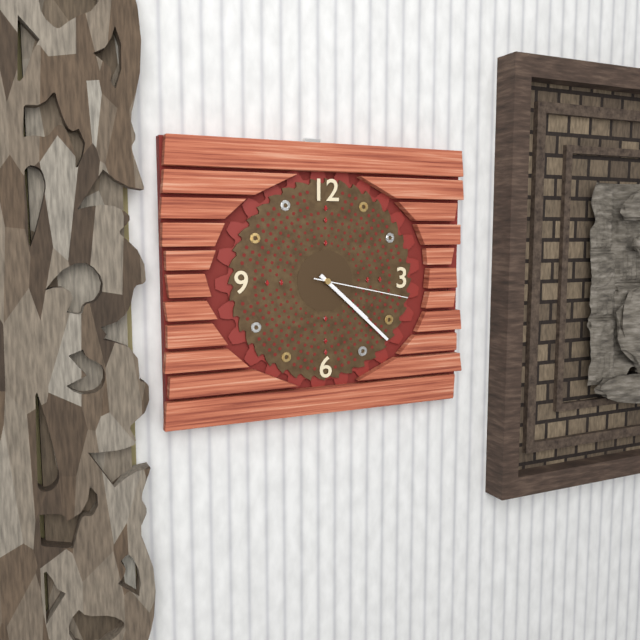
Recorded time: 4:22:17
